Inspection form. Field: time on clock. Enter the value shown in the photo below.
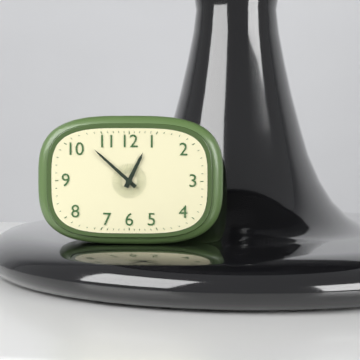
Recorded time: 12:52
